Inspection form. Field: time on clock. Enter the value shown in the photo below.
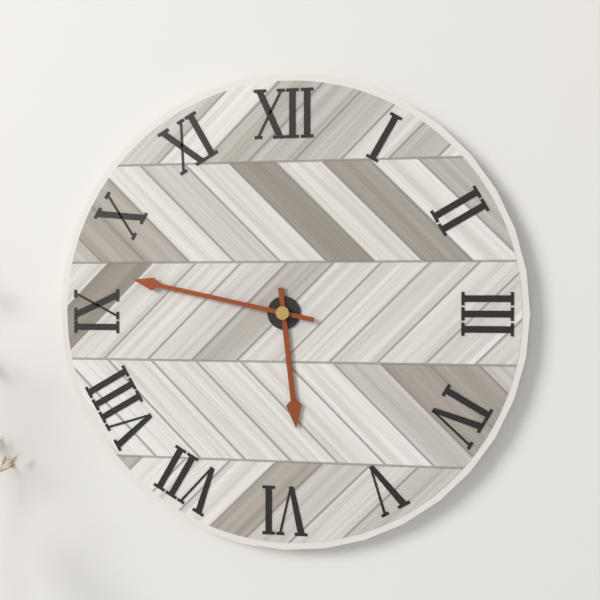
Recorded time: 5:47
